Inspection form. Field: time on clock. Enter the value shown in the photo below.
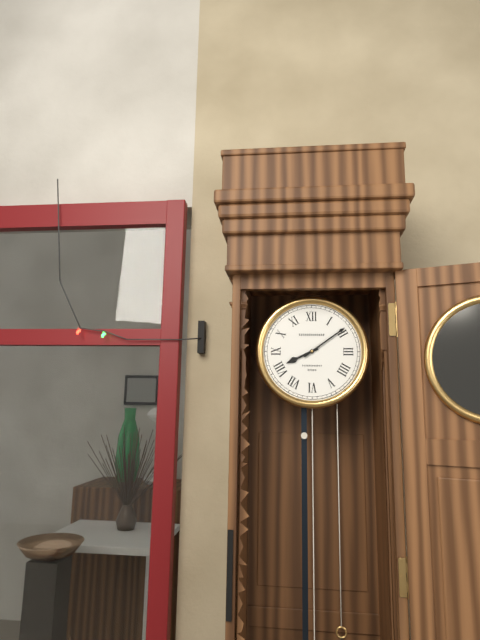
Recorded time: 8:09
